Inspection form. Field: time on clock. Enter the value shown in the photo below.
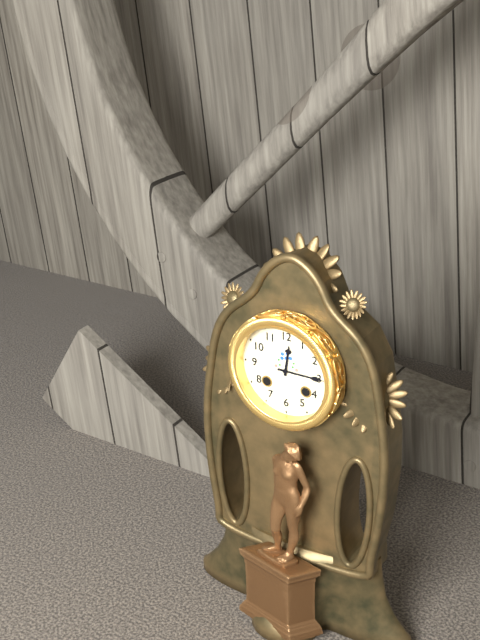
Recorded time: 12:15
